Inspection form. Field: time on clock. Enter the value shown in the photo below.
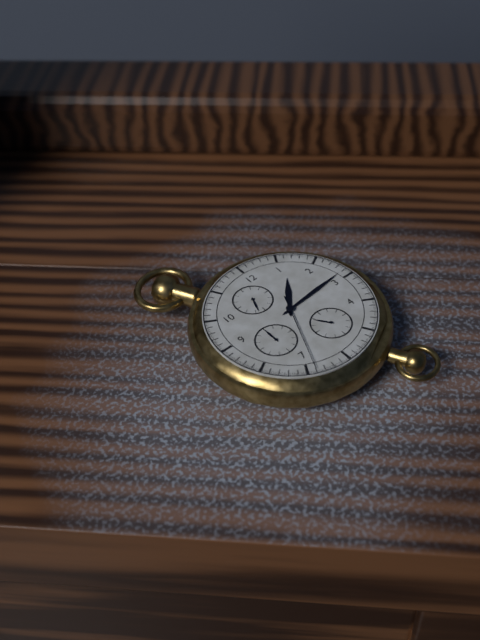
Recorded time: 1:14:34
